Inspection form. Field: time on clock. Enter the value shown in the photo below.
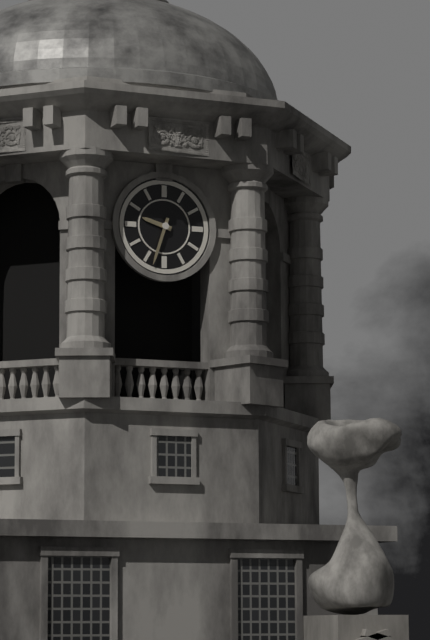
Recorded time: 9:33
